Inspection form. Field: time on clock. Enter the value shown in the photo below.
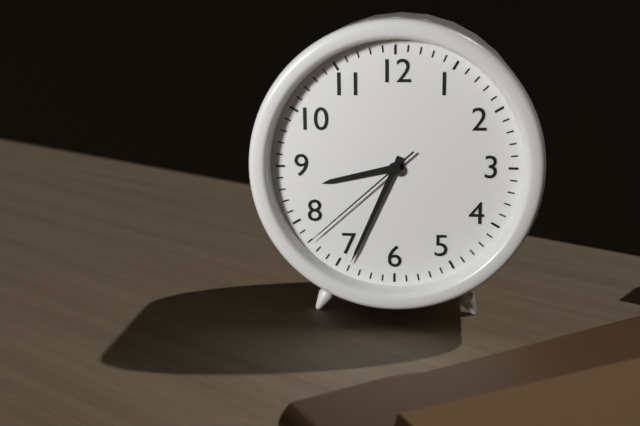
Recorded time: 8:34:38
